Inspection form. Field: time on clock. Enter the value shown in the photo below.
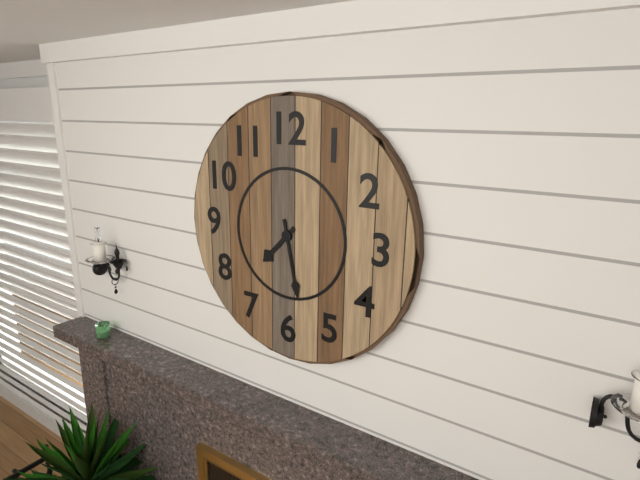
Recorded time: 7:28
